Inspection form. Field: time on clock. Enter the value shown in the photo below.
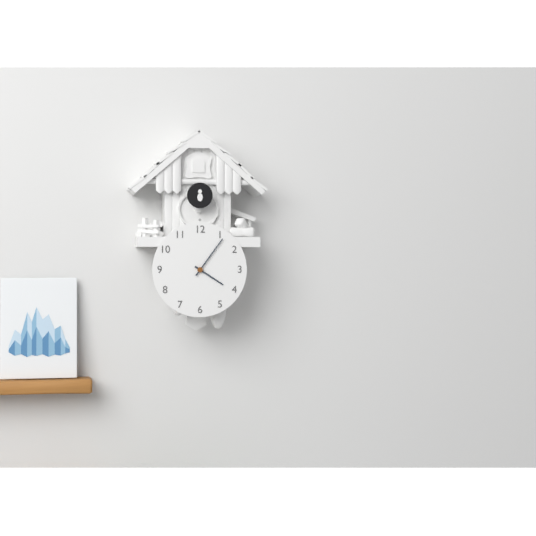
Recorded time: 4:06
